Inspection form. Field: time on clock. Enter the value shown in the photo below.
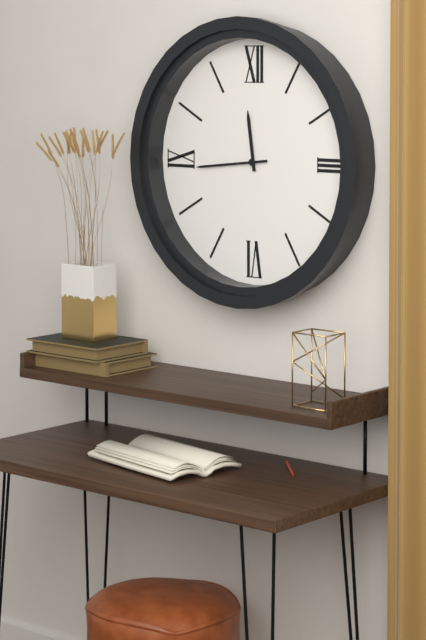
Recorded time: 11:44
